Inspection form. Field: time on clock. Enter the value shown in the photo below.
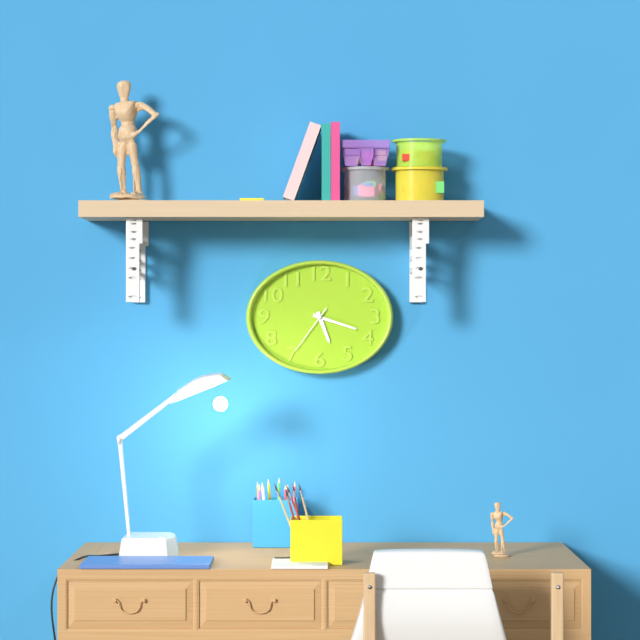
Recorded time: 5:18:36
